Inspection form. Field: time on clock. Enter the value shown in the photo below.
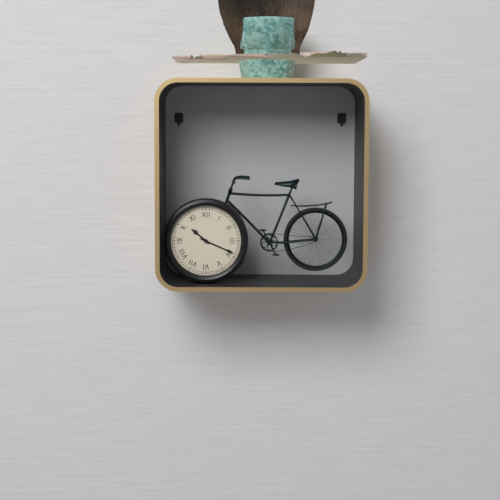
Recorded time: 10:19
